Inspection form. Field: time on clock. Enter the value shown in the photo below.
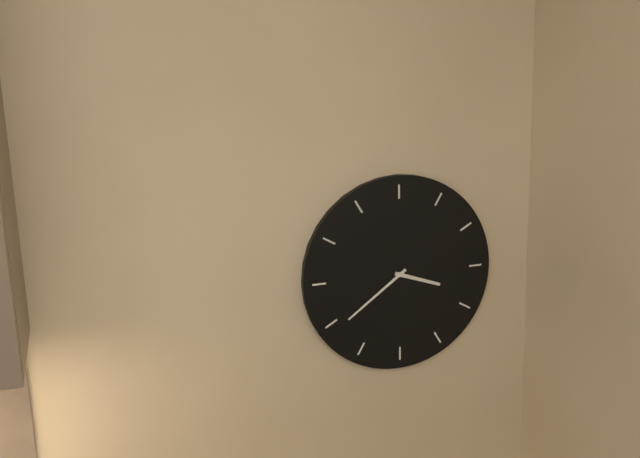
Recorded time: 3:39
